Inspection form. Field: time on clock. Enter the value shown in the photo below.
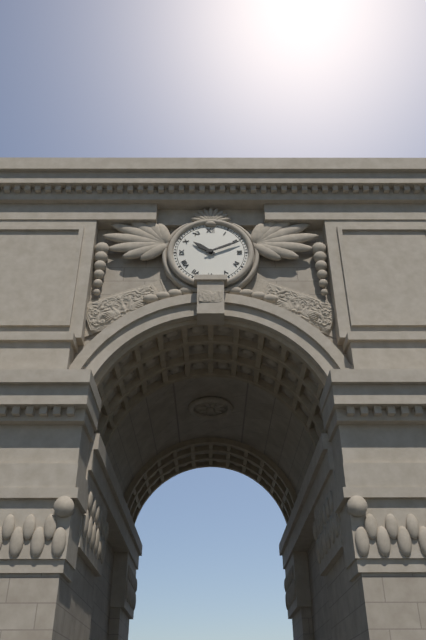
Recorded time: 10:11
